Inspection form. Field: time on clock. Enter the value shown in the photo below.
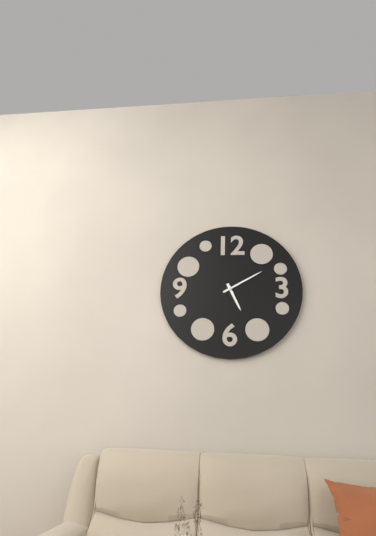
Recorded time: 5:10
